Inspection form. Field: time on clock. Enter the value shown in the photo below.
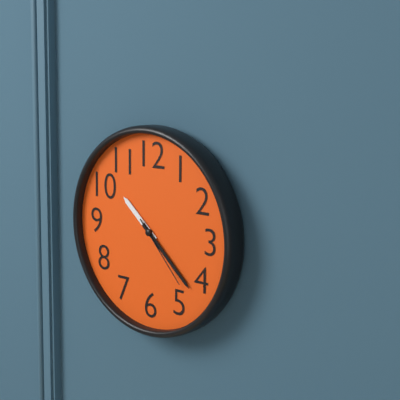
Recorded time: 10:22:23
